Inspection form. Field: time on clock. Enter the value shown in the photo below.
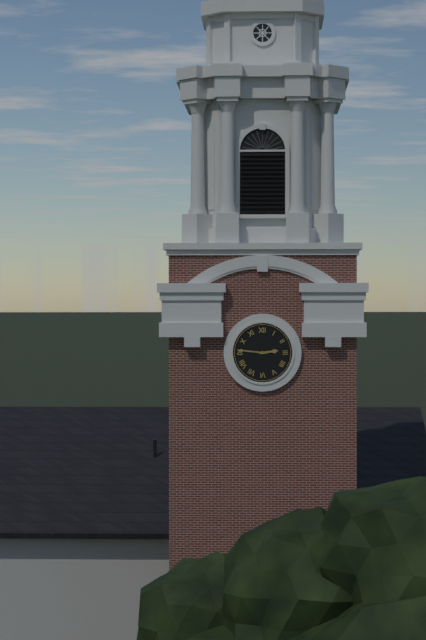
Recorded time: 2:46
